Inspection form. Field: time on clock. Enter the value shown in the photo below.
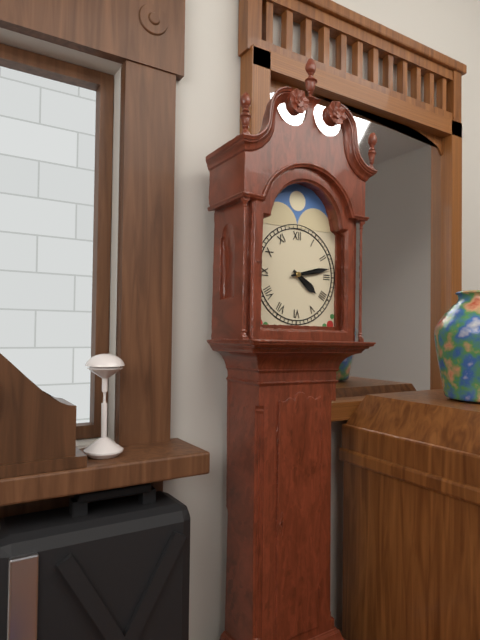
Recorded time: 4:13
